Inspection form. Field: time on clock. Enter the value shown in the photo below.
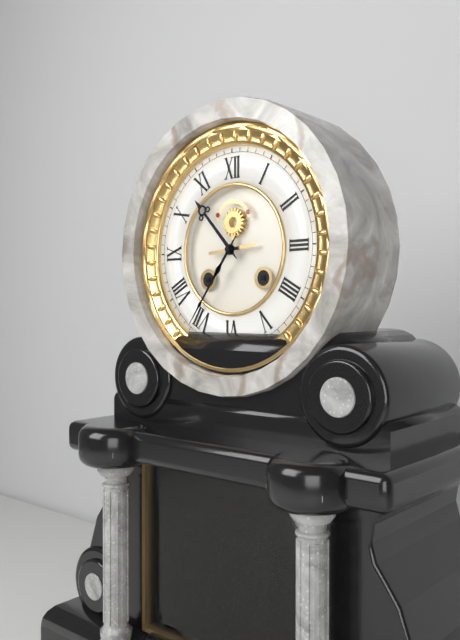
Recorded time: 10:36
